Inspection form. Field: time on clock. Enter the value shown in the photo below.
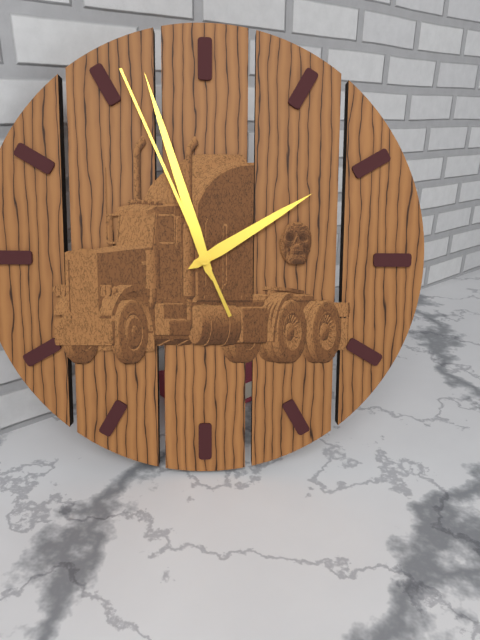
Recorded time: 1:57:56
